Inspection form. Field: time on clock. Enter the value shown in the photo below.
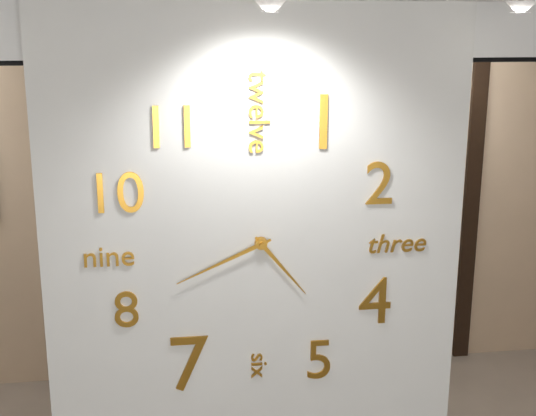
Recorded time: 4:41
